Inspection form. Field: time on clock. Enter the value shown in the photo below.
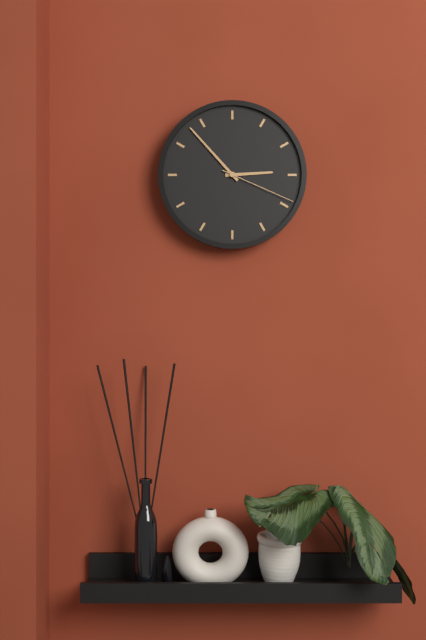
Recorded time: 2:53:19
